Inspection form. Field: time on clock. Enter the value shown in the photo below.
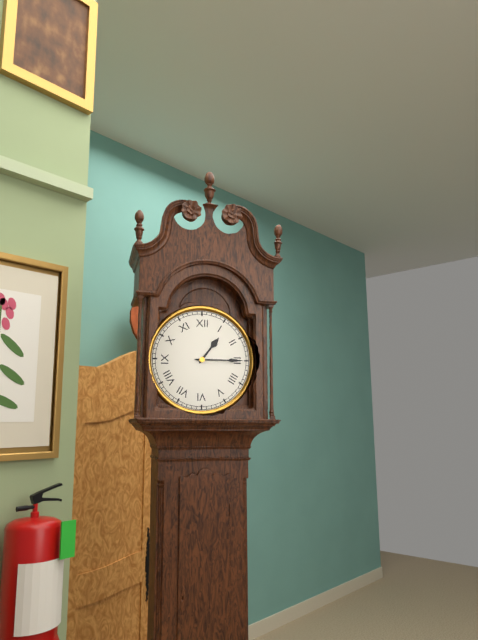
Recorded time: 1:15
